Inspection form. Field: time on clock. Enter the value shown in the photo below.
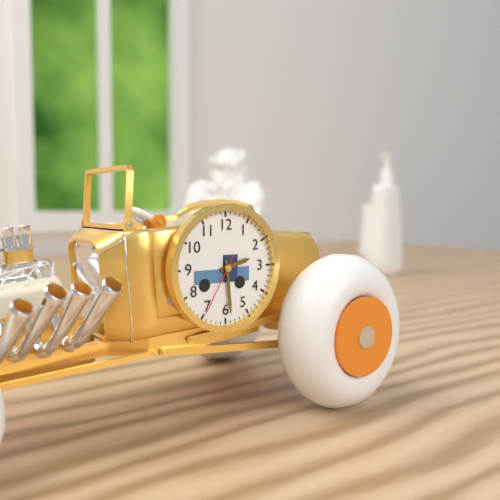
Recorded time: 2:29:35
